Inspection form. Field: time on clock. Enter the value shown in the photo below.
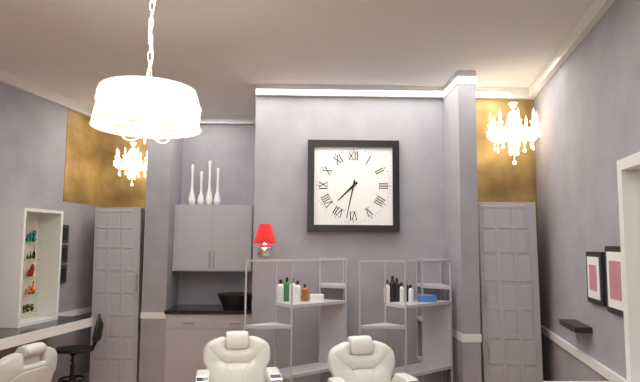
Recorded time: 7:32
